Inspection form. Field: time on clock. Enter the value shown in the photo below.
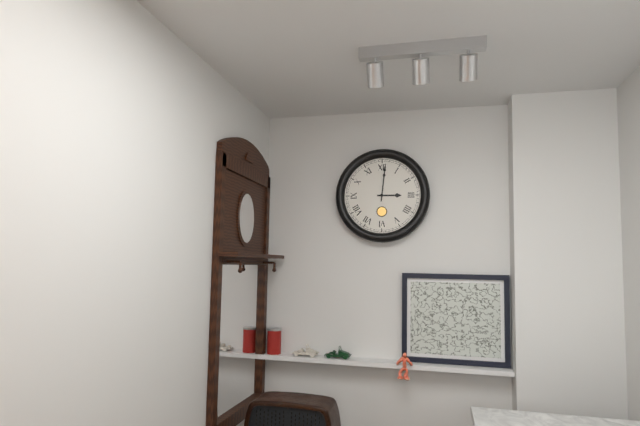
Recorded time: 3:01
